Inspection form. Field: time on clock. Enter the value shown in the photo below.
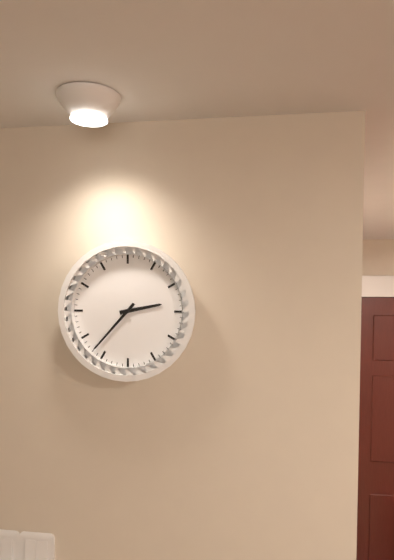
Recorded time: 2:37
